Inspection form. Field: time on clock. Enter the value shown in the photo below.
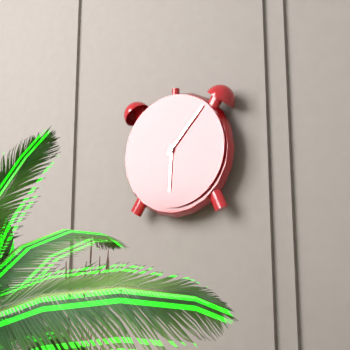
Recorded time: 6:07
